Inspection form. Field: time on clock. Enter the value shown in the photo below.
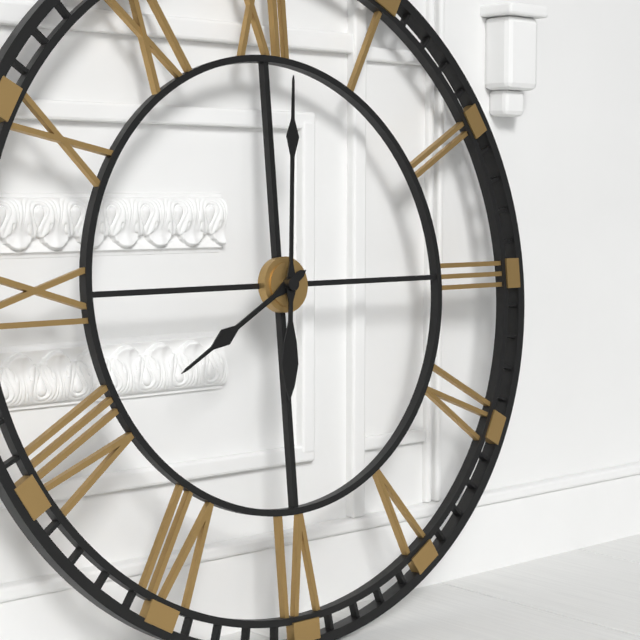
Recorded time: 8:01
